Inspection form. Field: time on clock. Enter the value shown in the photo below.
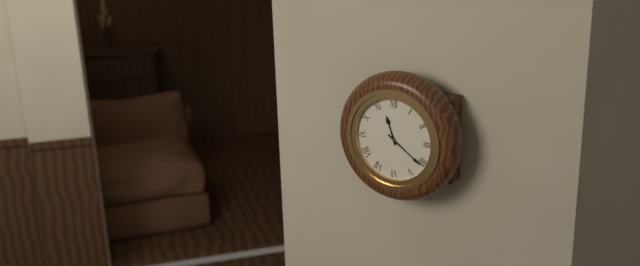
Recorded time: 11:21
